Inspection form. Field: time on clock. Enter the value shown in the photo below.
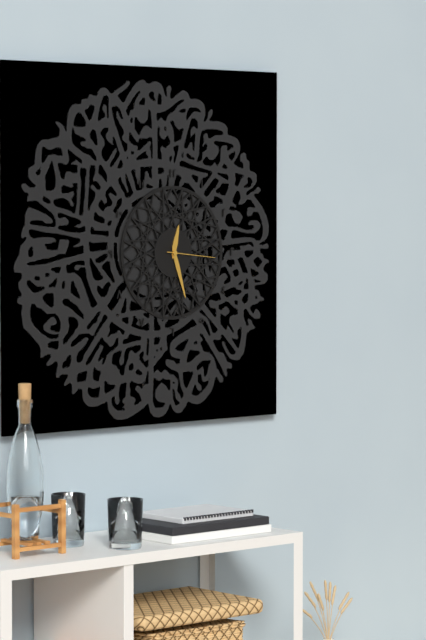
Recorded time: 12:27:16
